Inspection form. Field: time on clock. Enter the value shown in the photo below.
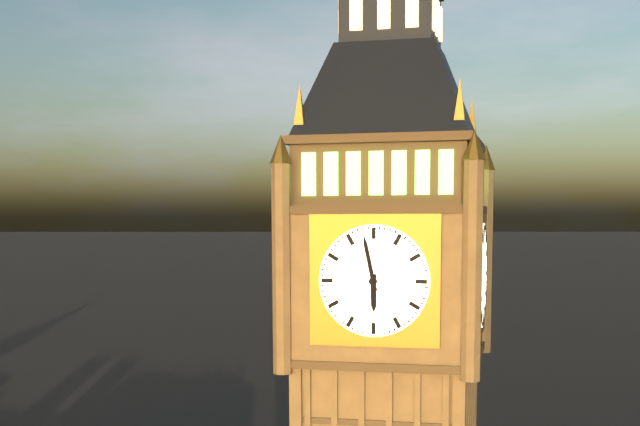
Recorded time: 5:58
